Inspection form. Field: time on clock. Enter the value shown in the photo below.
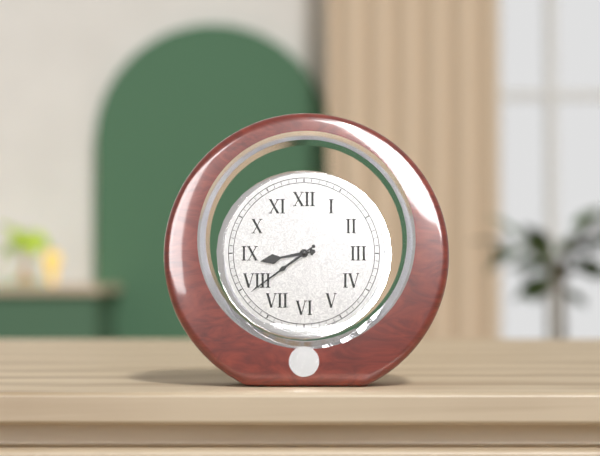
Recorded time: 8:39
